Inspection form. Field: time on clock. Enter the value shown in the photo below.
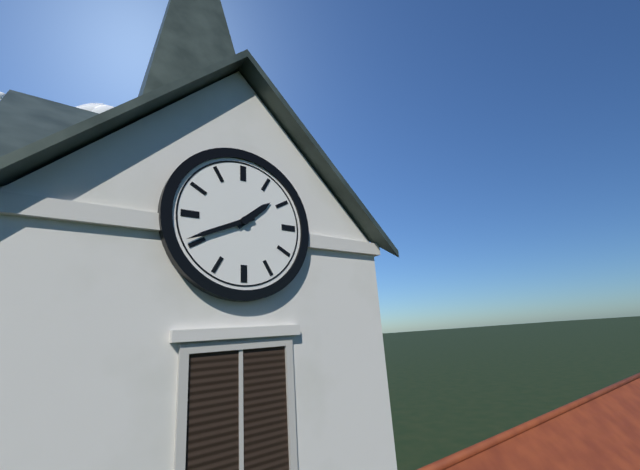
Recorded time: 1:41
